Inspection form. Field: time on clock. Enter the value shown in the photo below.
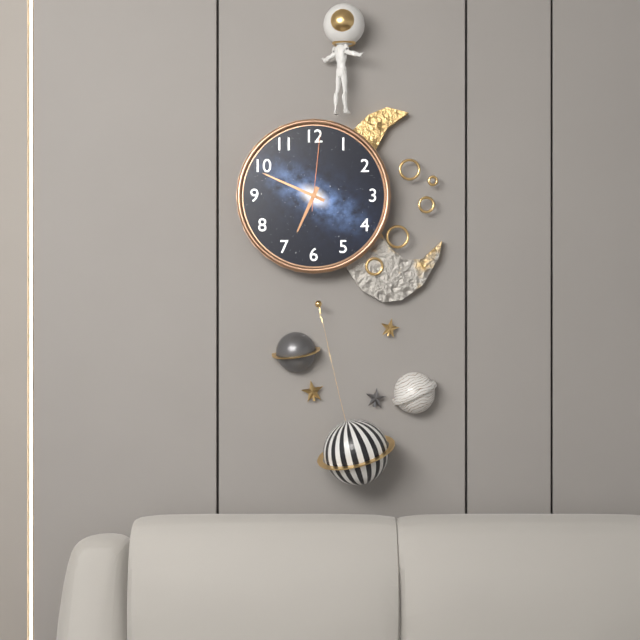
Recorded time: 6:49:01
